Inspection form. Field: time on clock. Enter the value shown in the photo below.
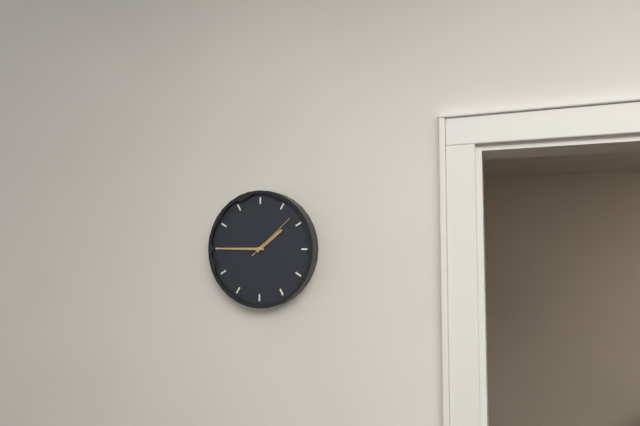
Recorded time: 1:45
